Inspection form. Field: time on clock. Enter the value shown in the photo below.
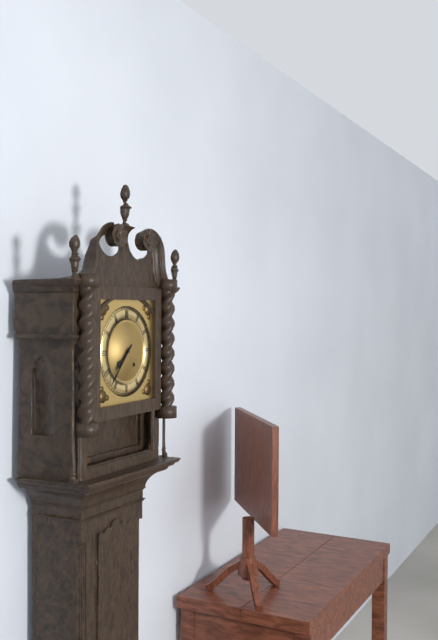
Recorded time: 7:37
